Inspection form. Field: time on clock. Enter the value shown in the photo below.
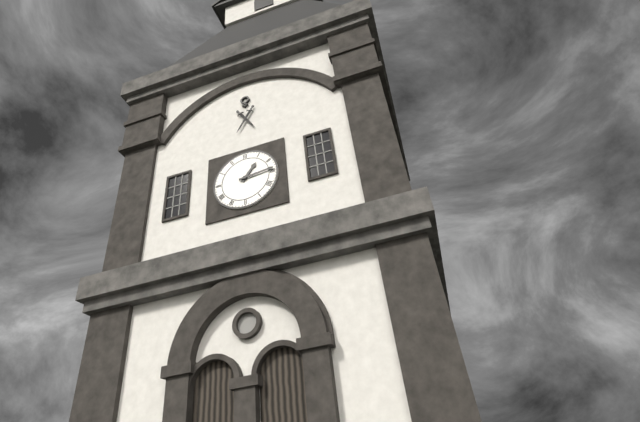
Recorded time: 1:14
